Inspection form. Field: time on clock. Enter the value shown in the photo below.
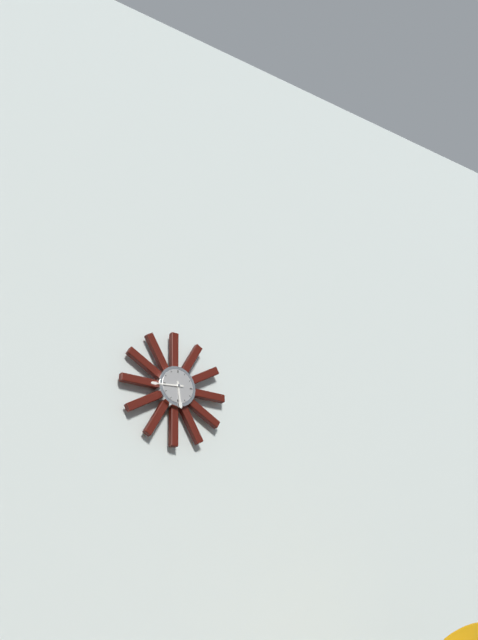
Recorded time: 5:44
